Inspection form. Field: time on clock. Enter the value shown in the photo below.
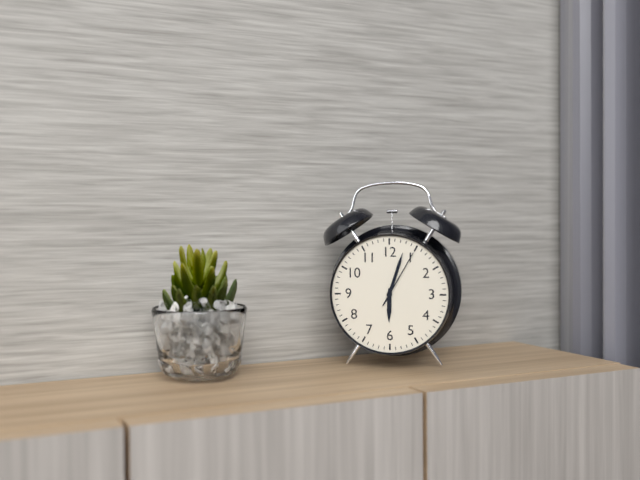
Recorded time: 6:03:05
